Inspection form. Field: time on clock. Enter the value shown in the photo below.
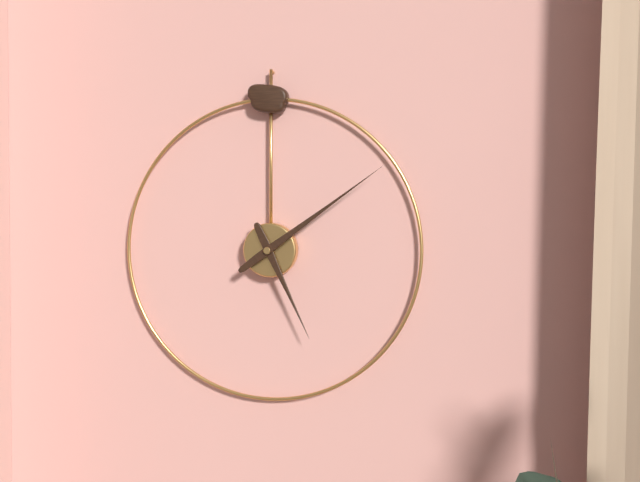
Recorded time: 5:09
